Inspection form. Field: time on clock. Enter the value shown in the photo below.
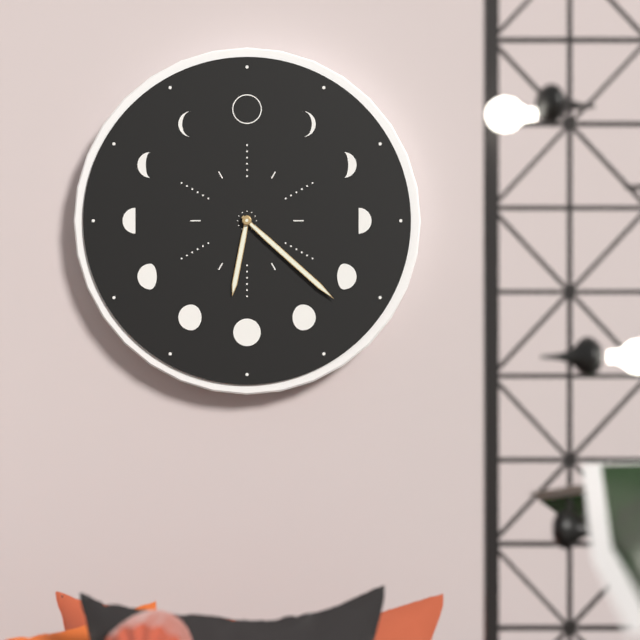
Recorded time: 6:22
